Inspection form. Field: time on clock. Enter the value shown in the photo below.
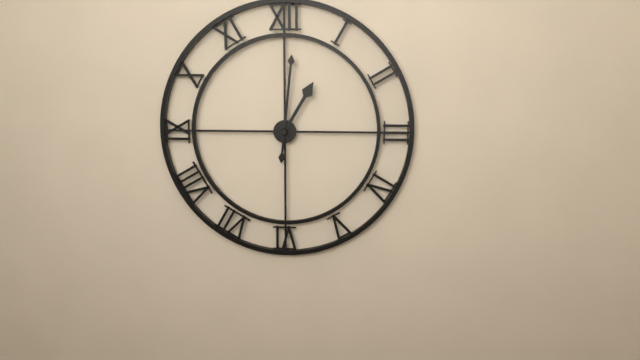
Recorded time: 1:01
